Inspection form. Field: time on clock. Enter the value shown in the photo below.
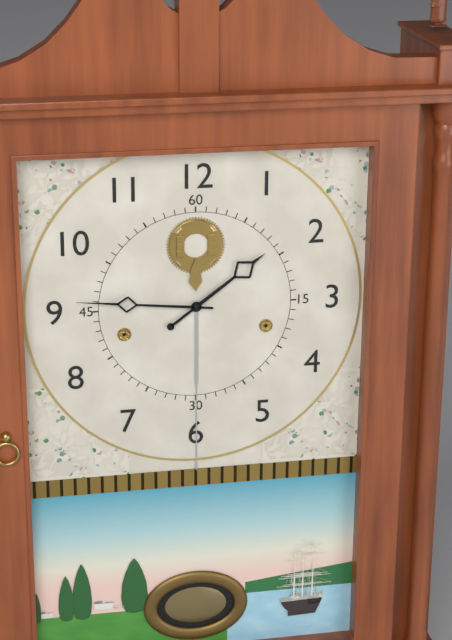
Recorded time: 1:46
